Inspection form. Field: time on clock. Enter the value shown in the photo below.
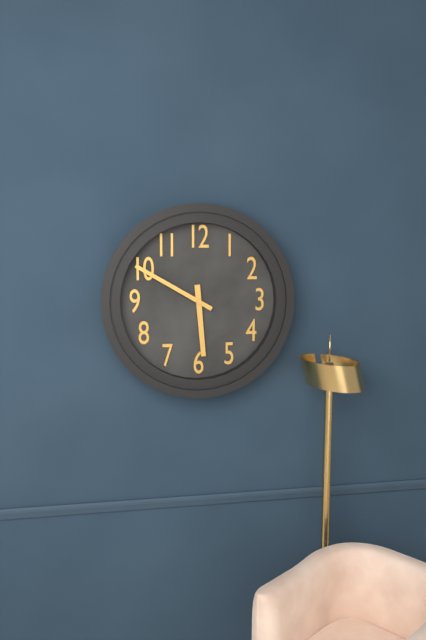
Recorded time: 5:50
